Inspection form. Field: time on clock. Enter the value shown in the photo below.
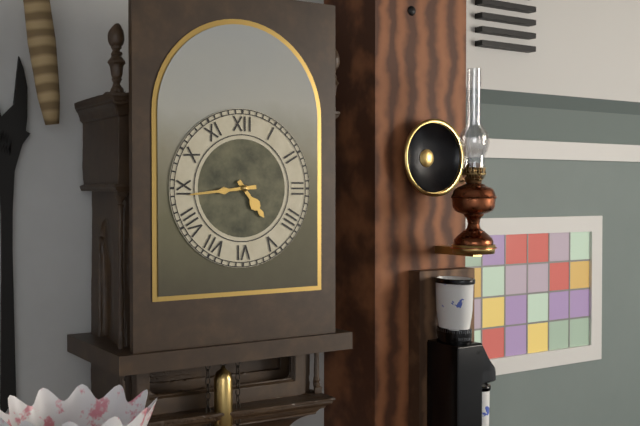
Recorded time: 4:44
